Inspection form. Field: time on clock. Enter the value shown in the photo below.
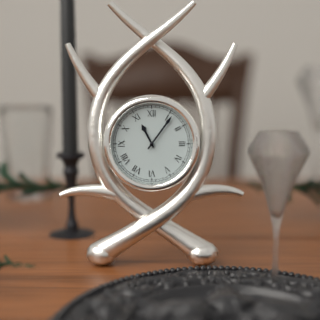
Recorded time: 11:06
